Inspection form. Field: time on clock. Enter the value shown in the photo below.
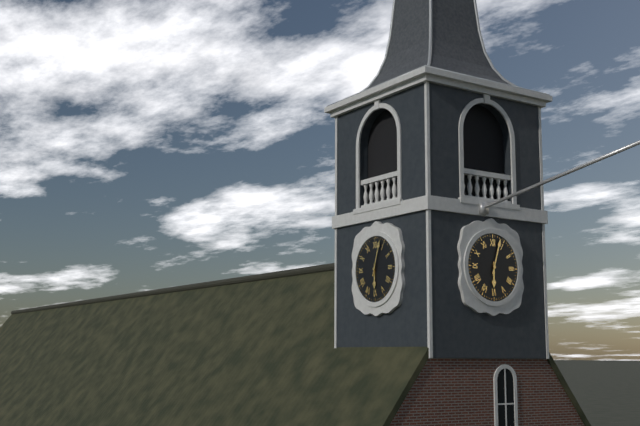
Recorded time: 6:03
